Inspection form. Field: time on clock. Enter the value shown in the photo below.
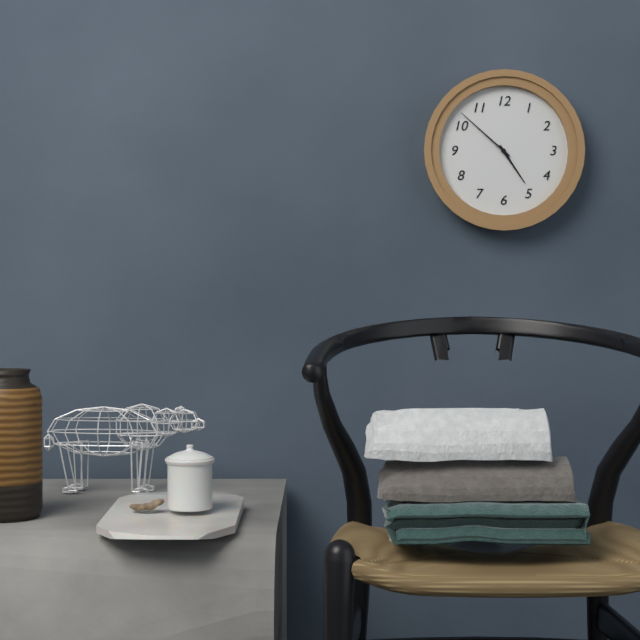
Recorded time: 4:52
